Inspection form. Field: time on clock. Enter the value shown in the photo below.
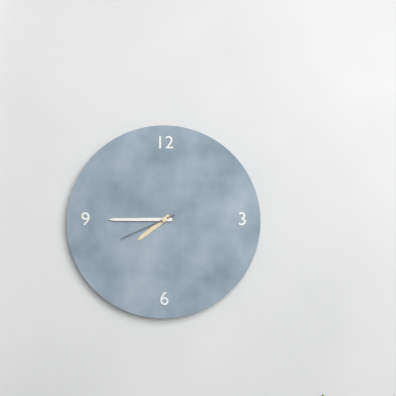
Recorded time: 7:45:41
